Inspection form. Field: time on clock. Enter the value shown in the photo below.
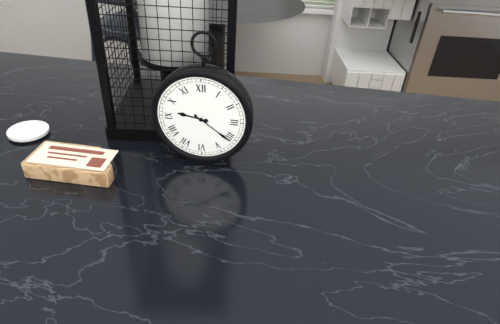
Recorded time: 9:21
